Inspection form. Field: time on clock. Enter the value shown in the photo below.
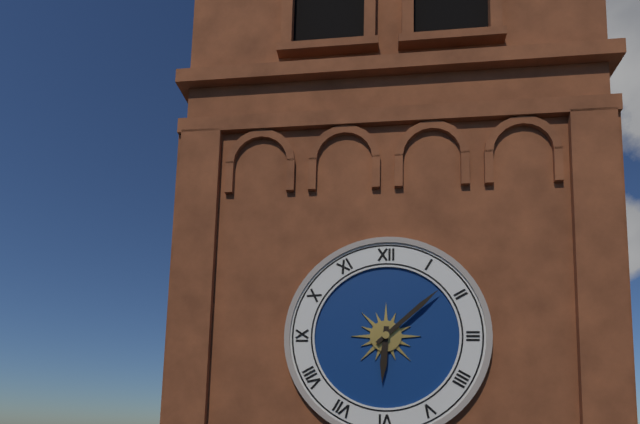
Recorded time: 6:08
